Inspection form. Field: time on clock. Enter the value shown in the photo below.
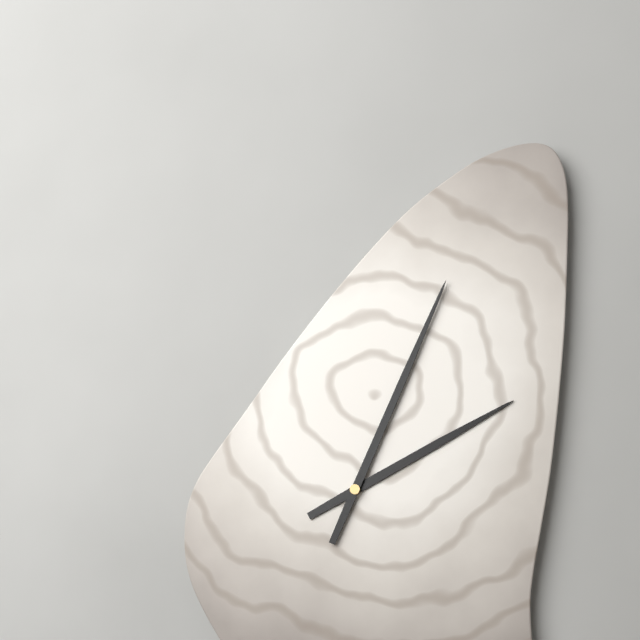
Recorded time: 2:04
